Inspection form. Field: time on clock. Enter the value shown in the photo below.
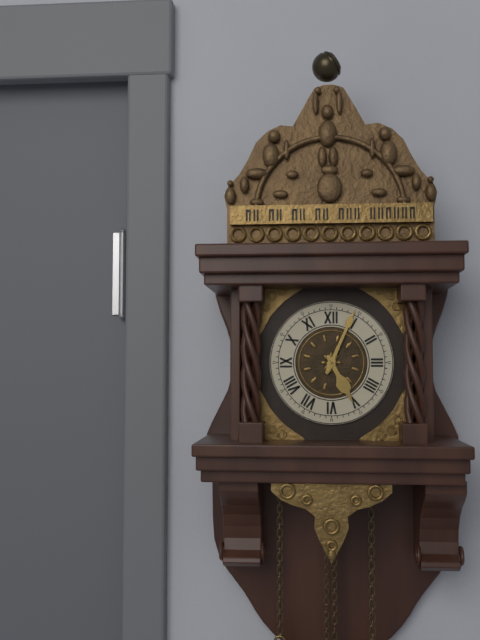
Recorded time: 5:04
